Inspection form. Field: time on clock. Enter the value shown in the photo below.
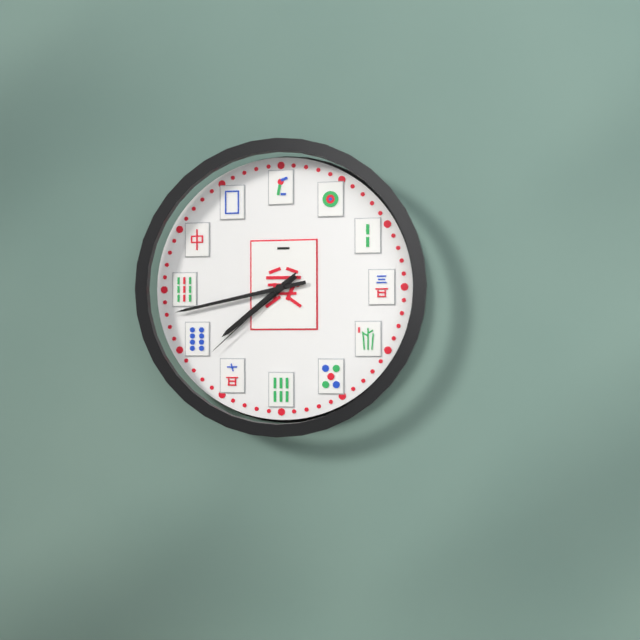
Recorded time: 7:43:38
